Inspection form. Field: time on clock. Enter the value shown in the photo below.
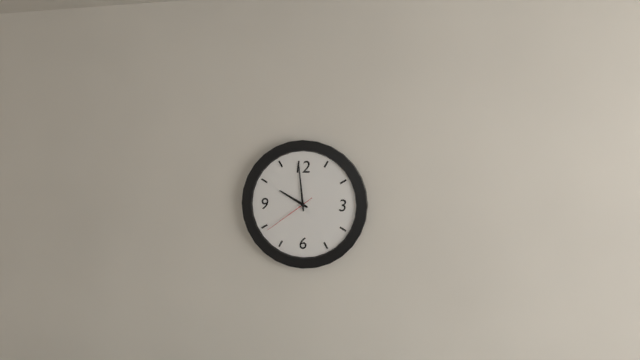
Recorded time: 9:59:39
